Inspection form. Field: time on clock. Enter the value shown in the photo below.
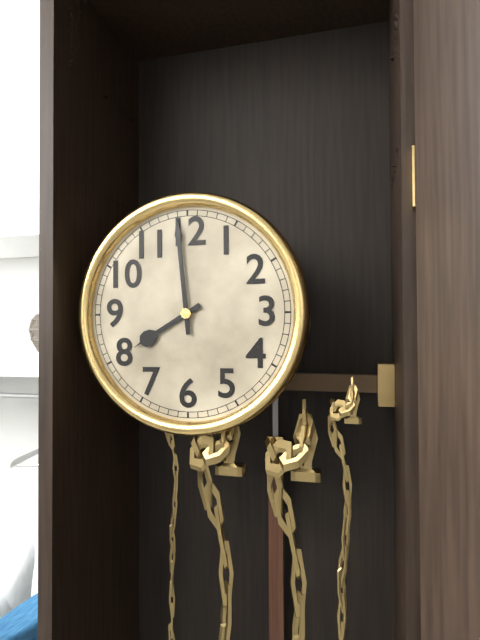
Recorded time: 7:59
